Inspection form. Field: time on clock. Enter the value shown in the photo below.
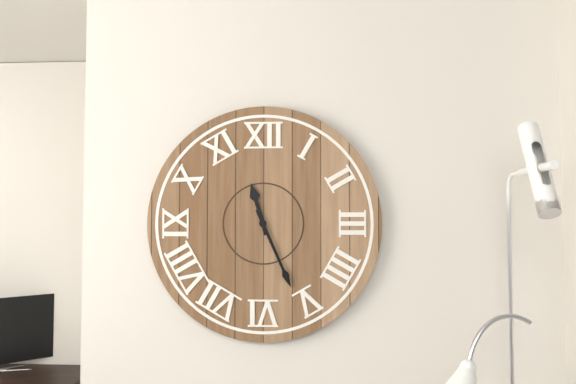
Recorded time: 11:26
